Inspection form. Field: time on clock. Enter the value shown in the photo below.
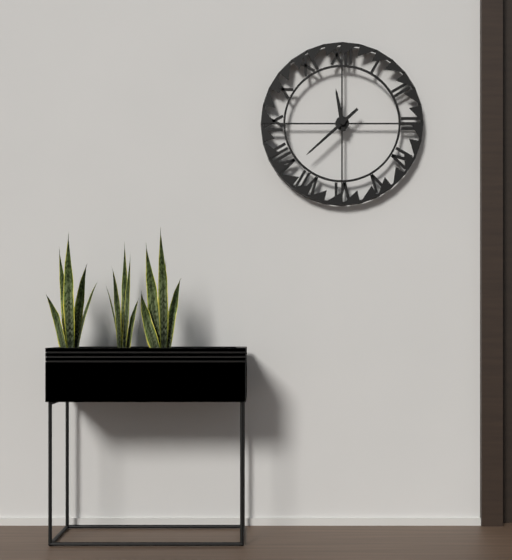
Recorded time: 11:38
